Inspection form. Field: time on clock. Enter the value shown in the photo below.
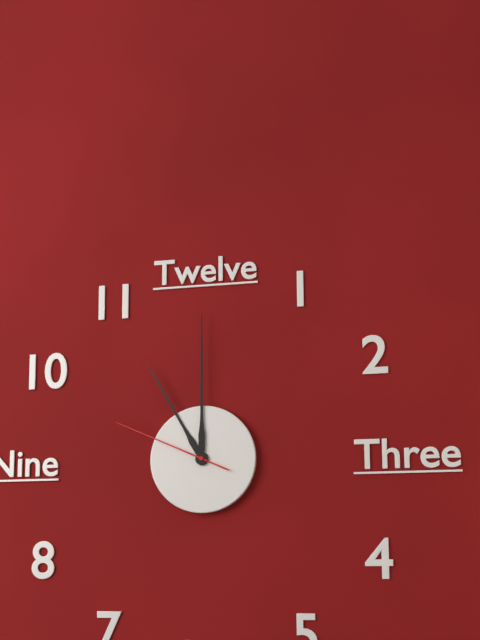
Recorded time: 11:00:49
